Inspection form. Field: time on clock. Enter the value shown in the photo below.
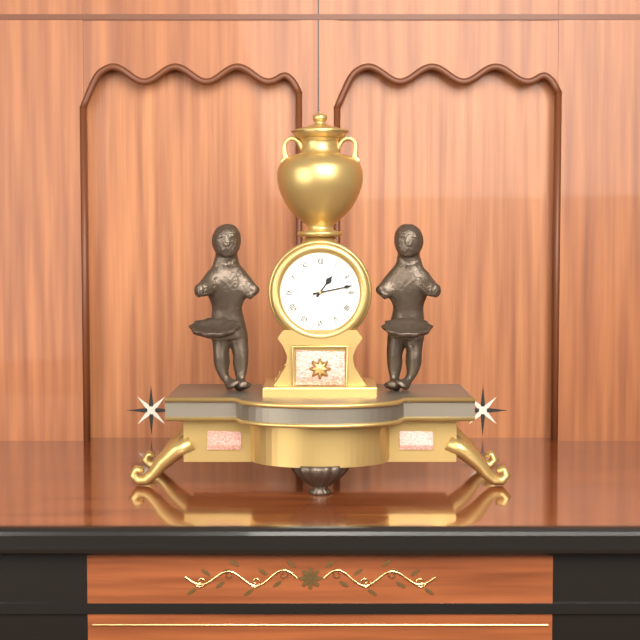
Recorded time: 1:13
